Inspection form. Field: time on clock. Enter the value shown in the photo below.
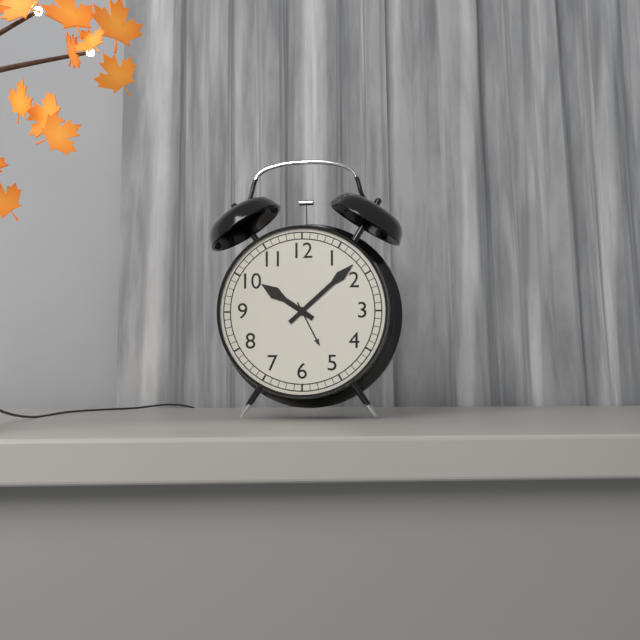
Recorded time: 10:08
